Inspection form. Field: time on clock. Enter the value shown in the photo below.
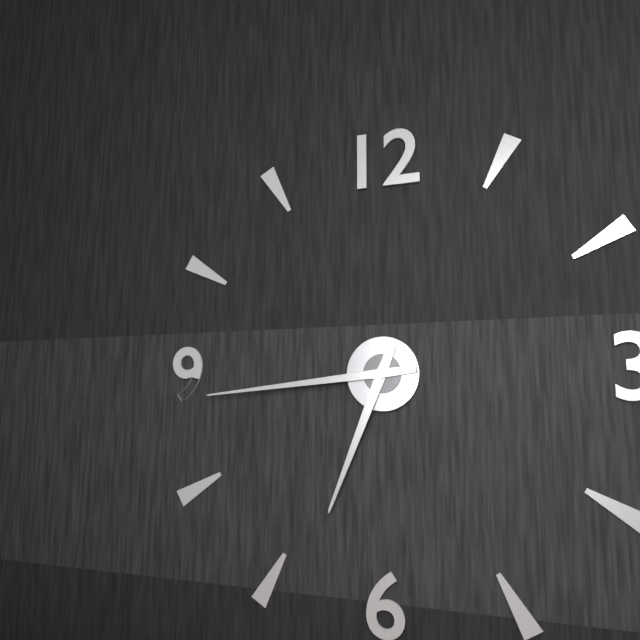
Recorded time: 6:44
